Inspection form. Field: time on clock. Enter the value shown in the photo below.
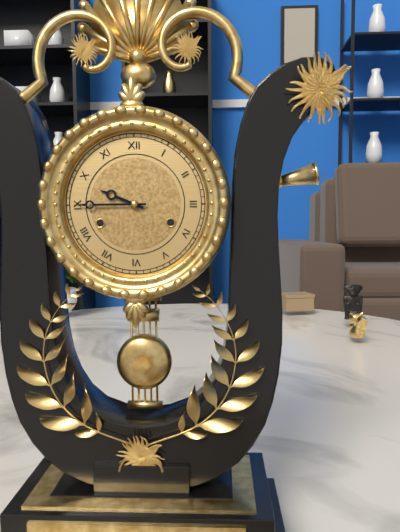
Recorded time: 9:45
